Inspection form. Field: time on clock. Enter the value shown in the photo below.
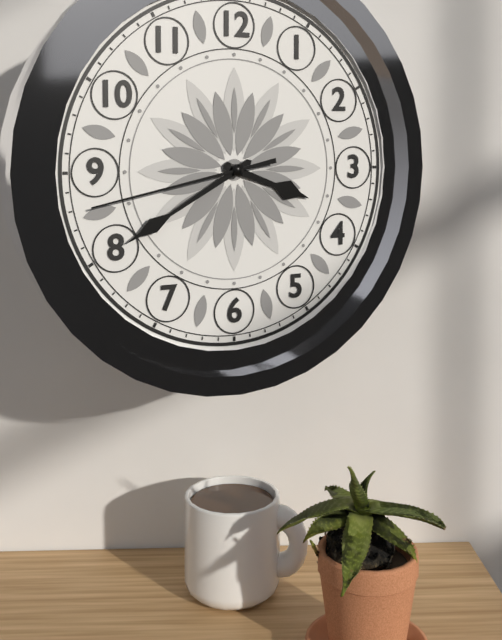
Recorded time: 3:40:43
